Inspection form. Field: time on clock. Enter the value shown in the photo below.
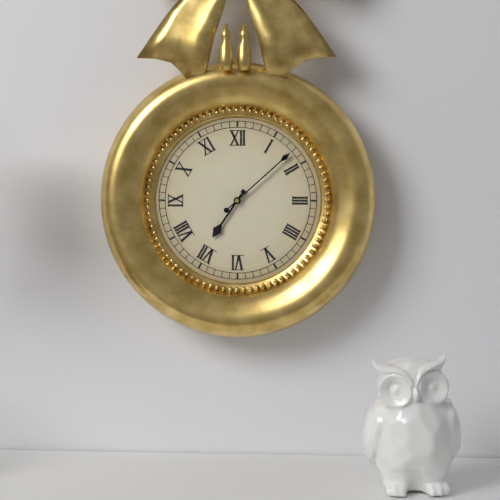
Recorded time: 7:08
